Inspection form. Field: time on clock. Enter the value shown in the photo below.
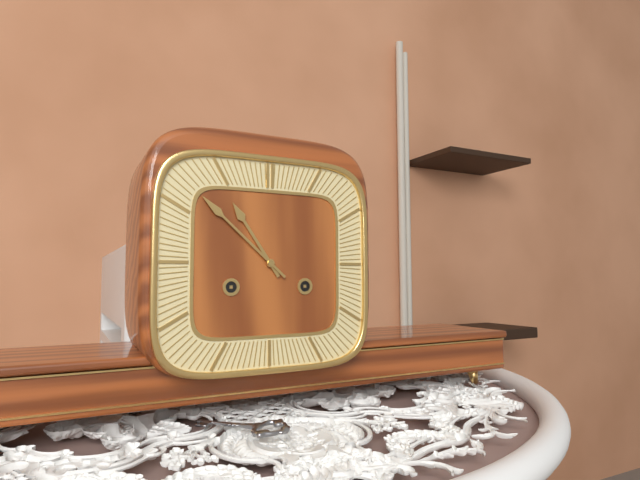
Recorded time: 10:52
